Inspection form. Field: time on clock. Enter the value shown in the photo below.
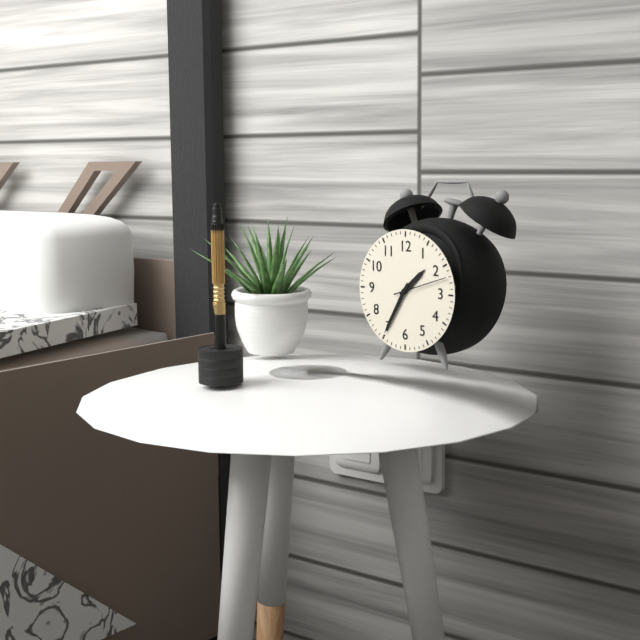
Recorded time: 1:35:12
